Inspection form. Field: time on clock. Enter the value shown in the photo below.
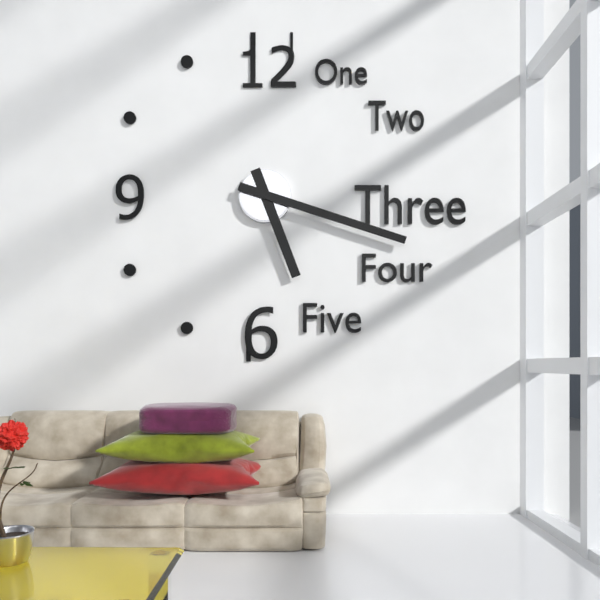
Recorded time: 5:18
